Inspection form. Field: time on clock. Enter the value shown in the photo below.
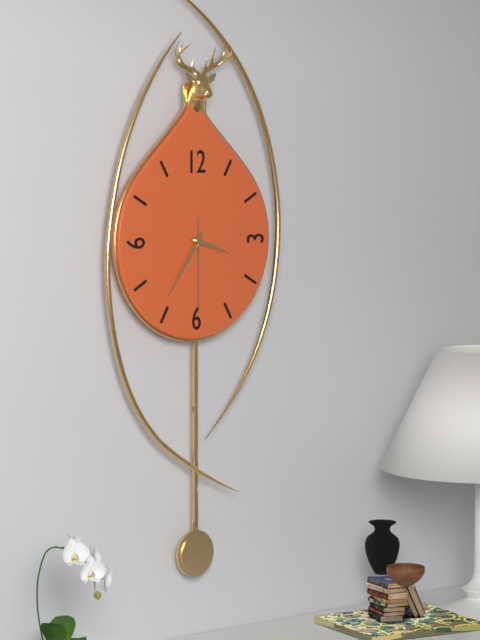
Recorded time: 3:36:30
